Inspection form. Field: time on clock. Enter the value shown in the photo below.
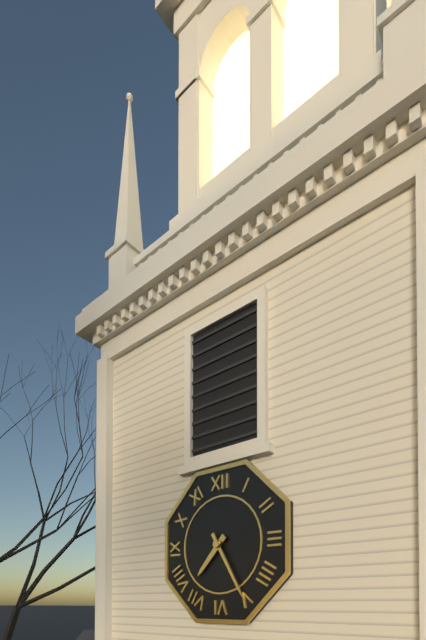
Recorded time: 7:25
